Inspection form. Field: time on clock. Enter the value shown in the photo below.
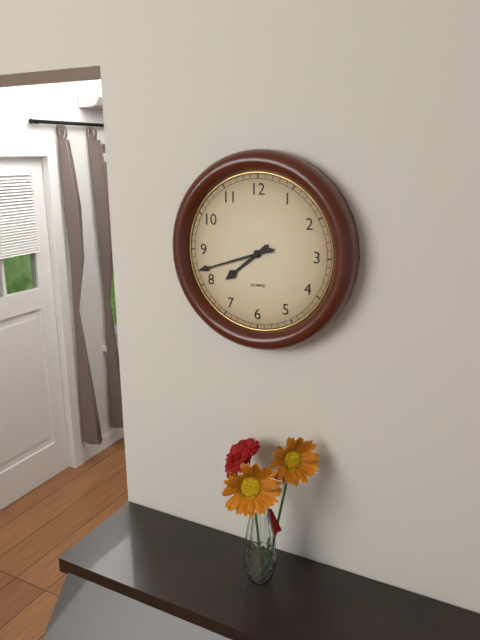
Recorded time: 7:42
